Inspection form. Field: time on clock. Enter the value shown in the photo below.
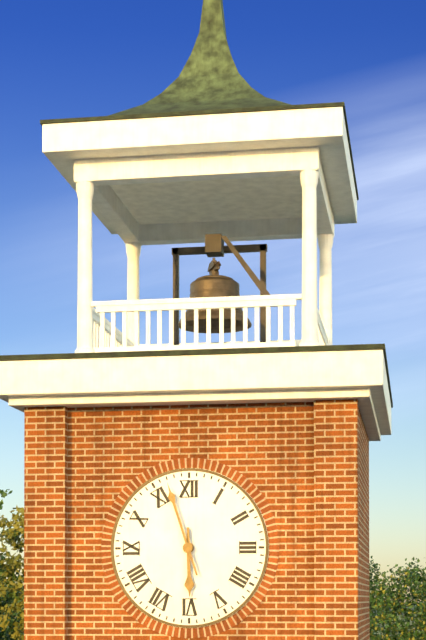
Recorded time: 5:57
